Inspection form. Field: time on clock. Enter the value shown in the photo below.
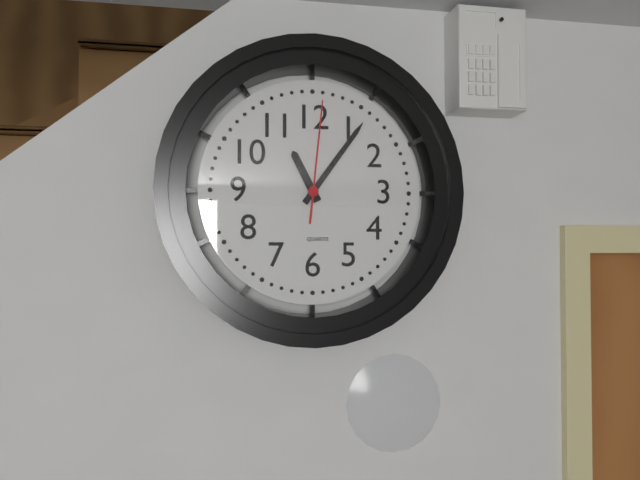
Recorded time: 11:06:01
